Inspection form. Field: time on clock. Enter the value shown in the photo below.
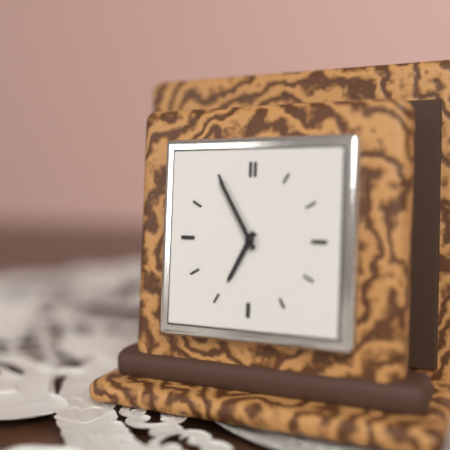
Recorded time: 6:55
